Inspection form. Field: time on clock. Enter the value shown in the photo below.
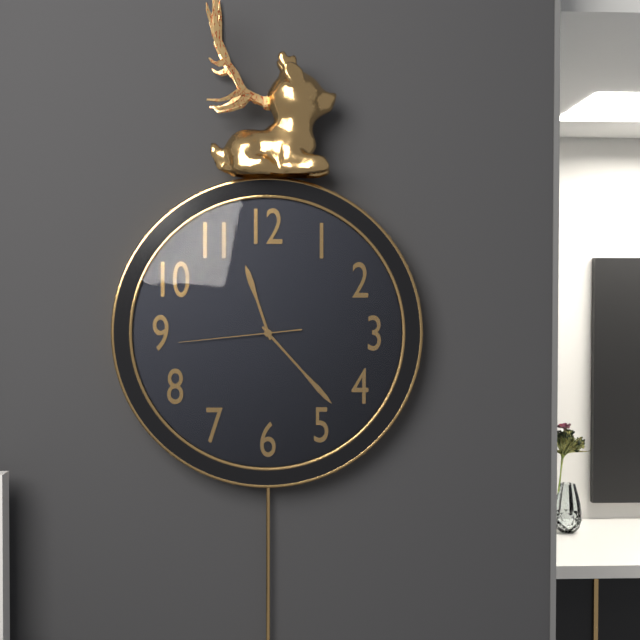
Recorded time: 11:23:44
